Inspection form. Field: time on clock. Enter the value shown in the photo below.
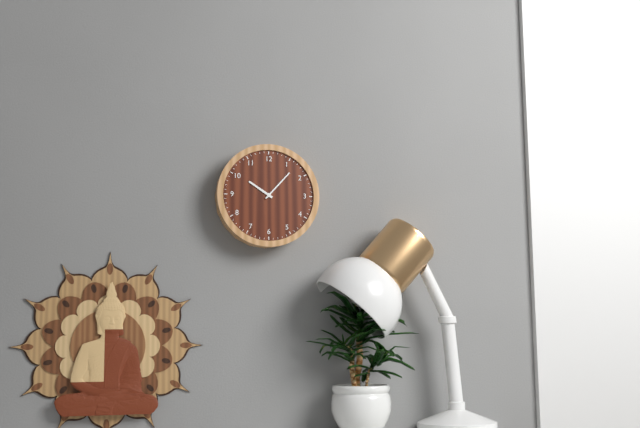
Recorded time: 10:07
